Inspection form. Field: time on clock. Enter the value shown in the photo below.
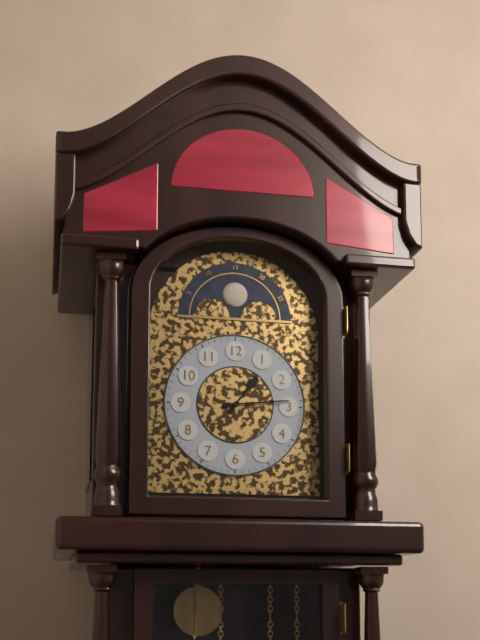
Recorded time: 1:14
